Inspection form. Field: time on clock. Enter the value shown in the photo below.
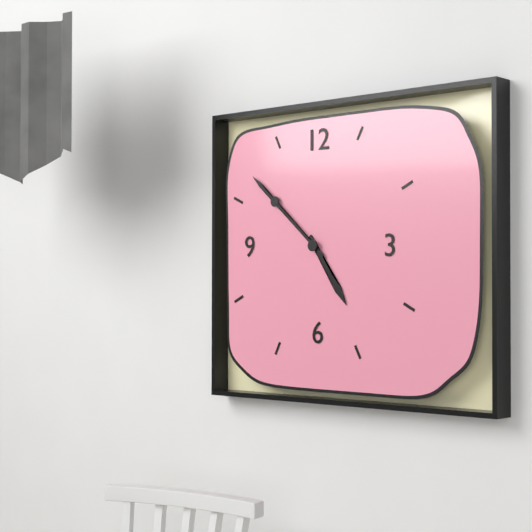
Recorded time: 4:52
